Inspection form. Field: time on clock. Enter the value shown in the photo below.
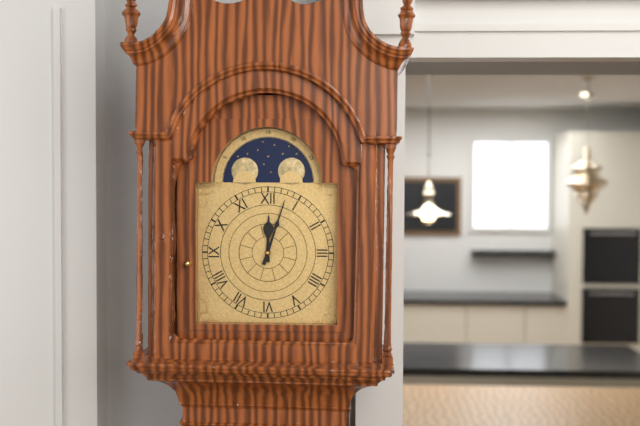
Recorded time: 12:03
